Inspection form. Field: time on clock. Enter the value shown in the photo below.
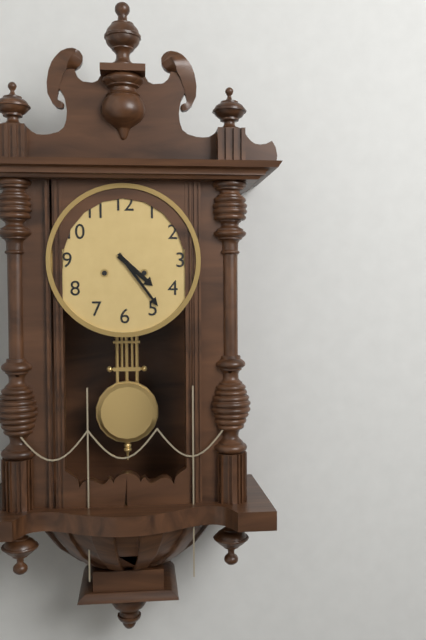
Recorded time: 4:24
